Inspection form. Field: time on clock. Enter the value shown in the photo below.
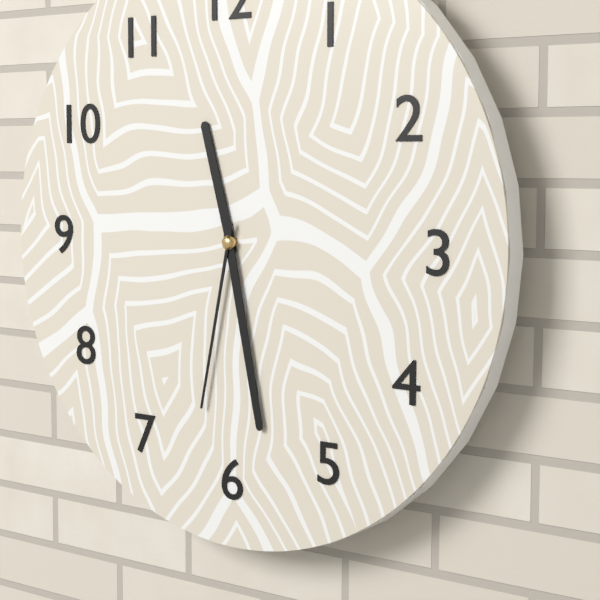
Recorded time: 11:28:32
